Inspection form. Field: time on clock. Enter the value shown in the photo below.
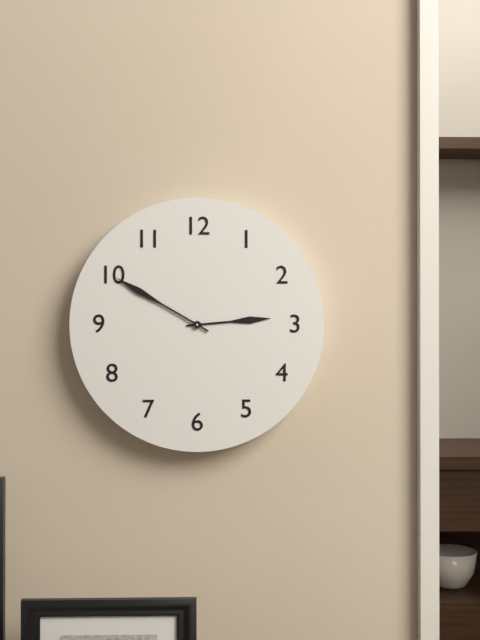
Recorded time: 2:50
